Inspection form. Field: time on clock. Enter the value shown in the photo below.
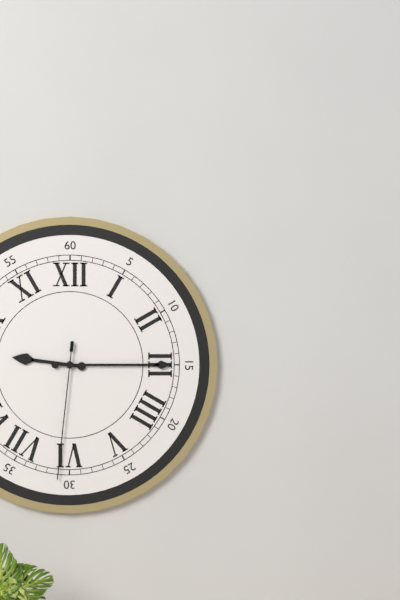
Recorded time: 9:15:31
